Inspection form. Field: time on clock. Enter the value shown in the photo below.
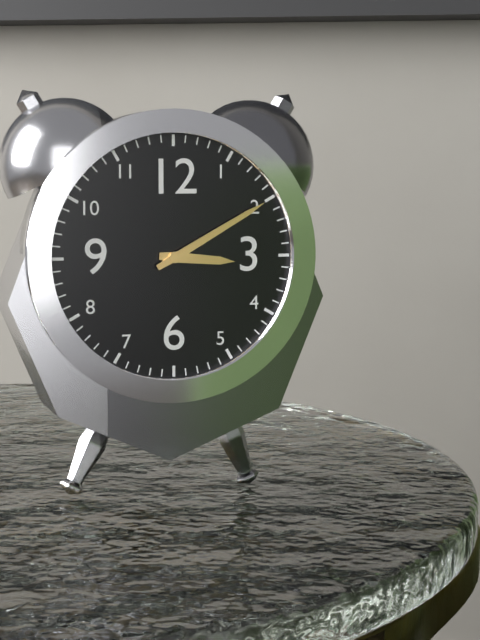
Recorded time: 3:10
